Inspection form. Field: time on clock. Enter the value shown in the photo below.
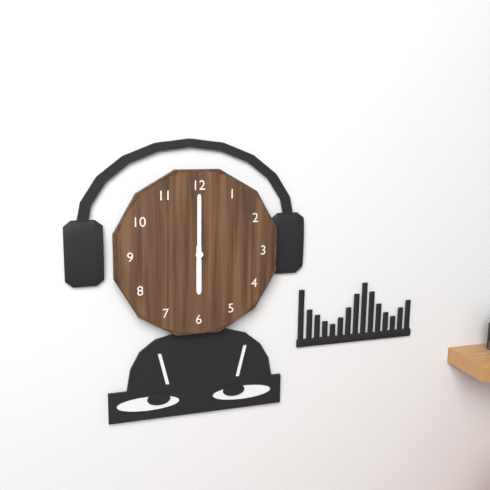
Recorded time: 6:00
